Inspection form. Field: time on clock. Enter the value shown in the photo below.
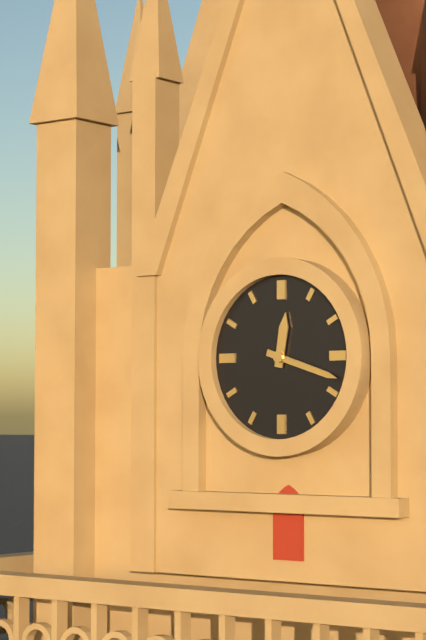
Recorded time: 12:18
